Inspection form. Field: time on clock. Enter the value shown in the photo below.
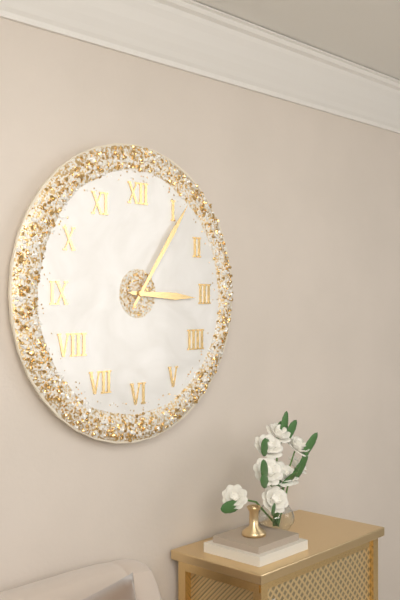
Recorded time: 3:06
